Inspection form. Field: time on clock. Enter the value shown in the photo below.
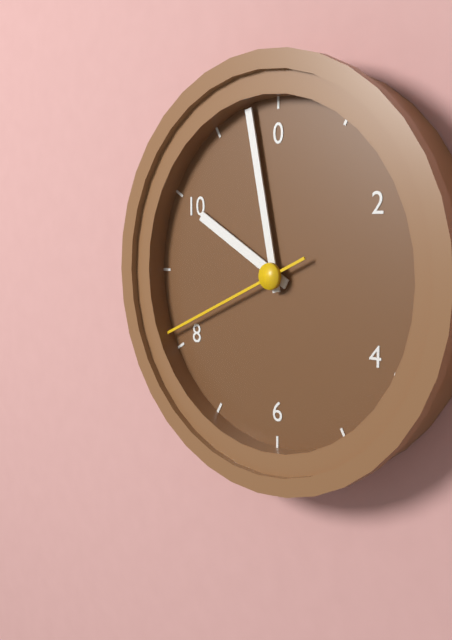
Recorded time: 9:58:41
